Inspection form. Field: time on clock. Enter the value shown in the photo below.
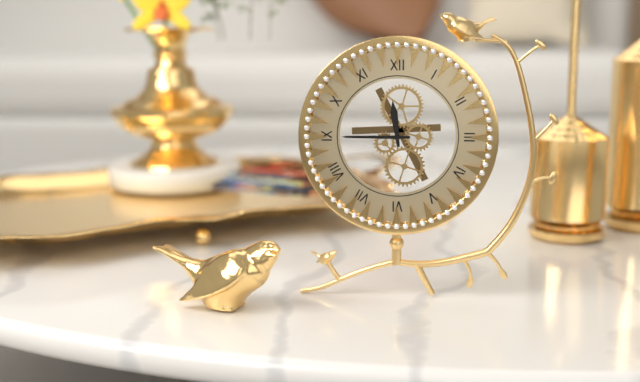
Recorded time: 11:45
